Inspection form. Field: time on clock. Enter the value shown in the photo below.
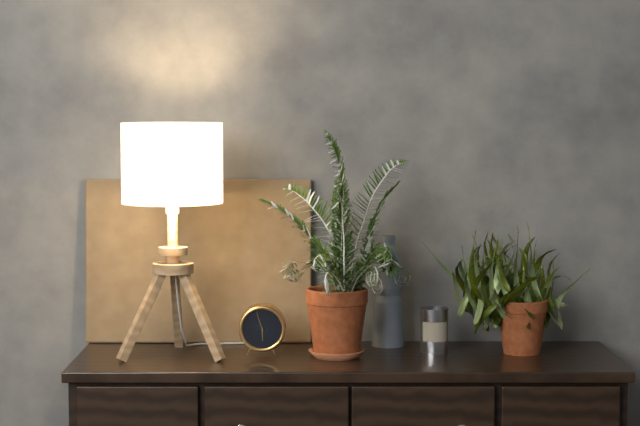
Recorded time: 5:57
